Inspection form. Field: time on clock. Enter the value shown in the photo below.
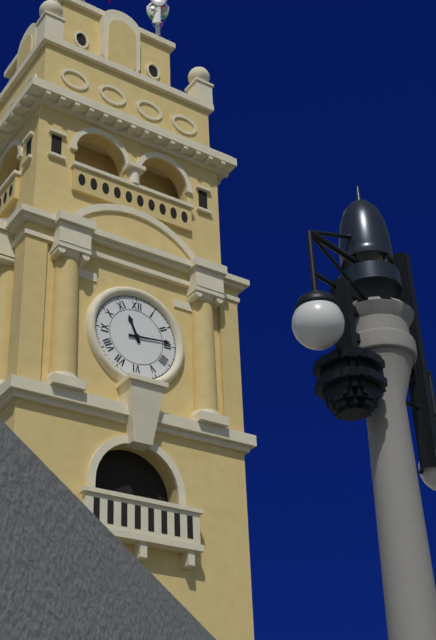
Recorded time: 11:14
